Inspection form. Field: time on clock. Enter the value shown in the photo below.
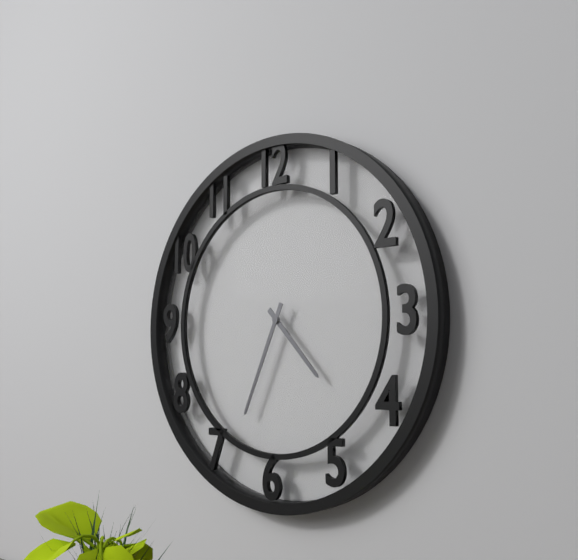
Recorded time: 4:34
